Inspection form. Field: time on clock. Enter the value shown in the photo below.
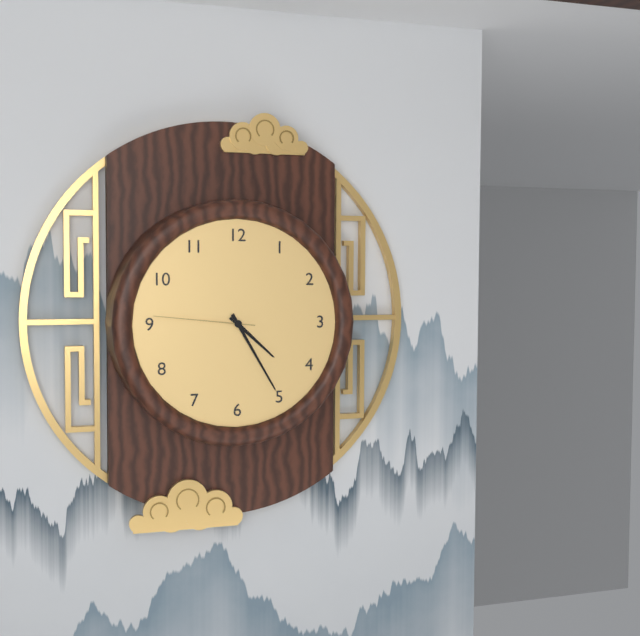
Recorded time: 4:25:46
